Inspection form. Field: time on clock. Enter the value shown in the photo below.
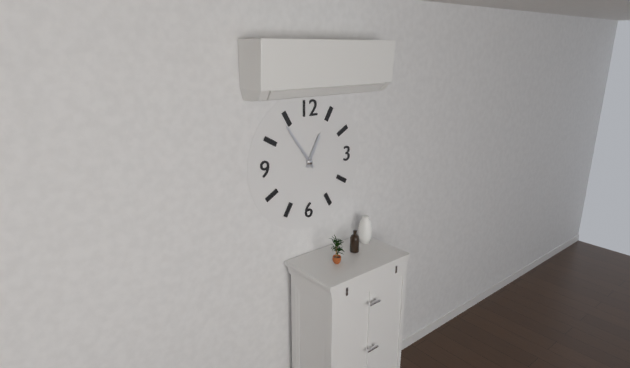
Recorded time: 12:54
